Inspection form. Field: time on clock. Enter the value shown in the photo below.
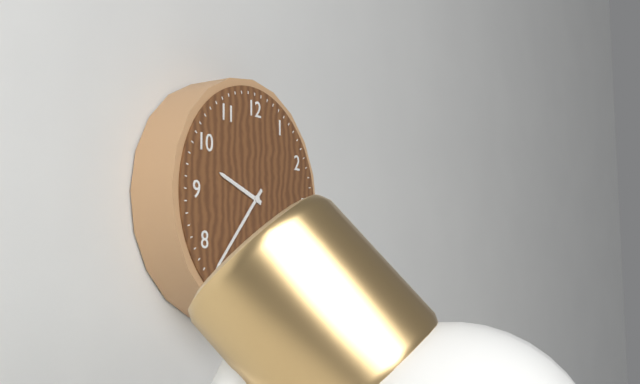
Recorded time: 9:37
